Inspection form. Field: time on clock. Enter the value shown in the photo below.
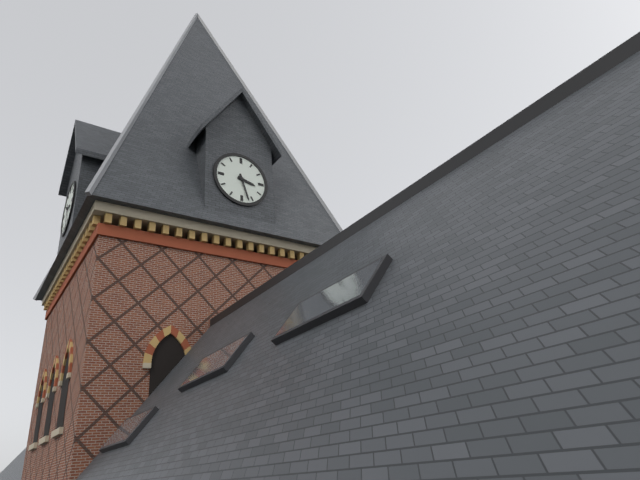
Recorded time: 3:27
